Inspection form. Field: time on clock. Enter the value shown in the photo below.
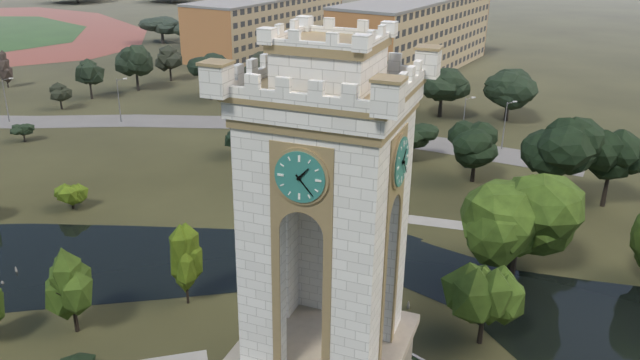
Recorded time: 1:23
